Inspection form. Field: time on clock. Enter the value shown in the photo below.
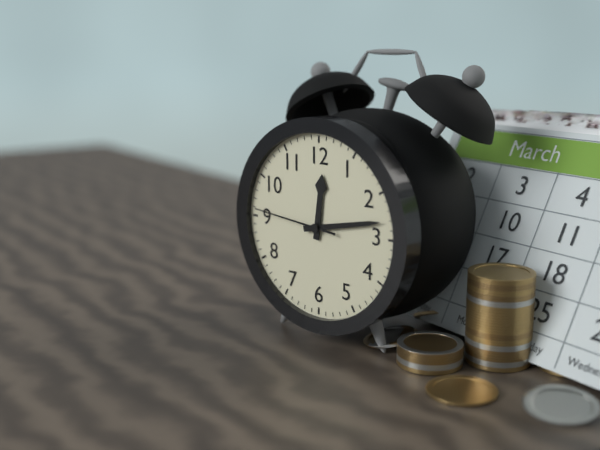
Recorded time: 12:13:46
